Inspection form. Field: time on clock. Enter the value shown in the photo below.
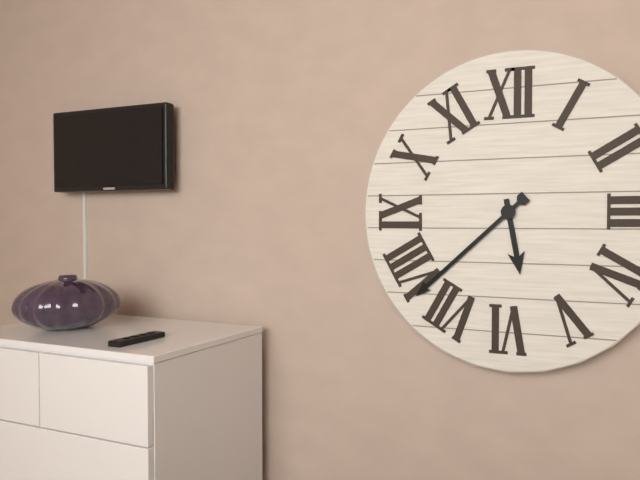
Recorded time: 5:38
